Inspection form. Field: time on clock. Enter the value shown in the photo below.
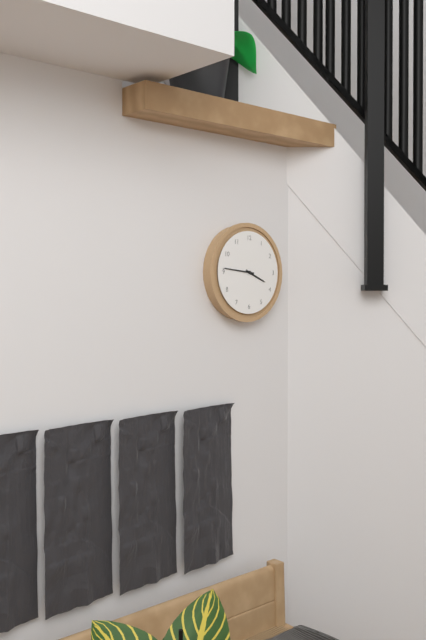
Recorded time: 3:46
